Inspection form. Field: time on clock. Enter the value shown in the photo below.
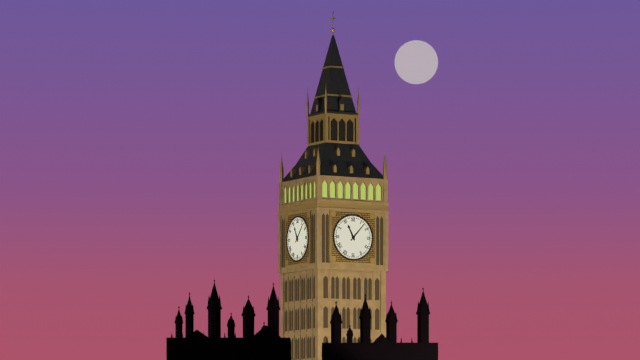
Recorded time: 11:07
